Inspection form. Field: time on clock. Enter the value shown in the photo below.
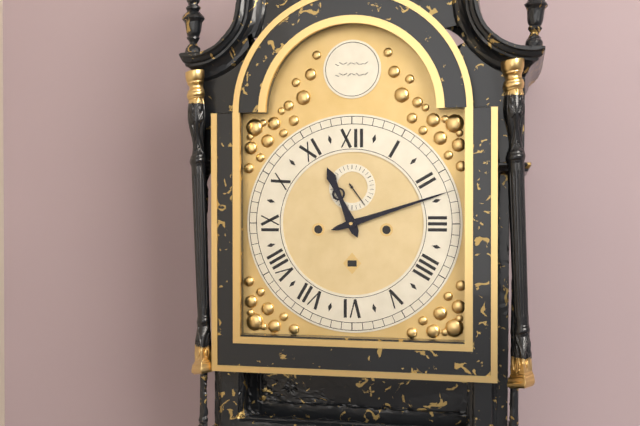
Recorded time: 11:12
